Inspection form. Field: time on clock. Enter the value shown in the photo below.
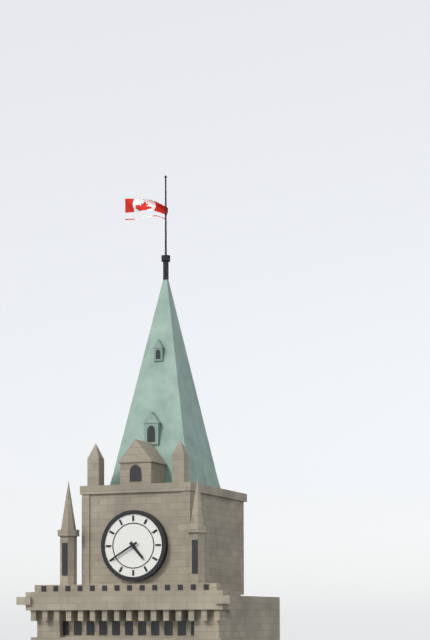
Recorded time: 4:40
